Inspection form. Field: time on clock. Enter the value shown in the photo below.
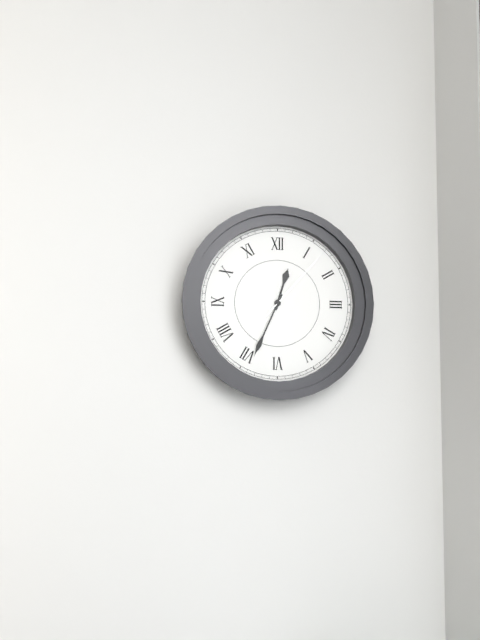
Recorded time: 12:34:07
